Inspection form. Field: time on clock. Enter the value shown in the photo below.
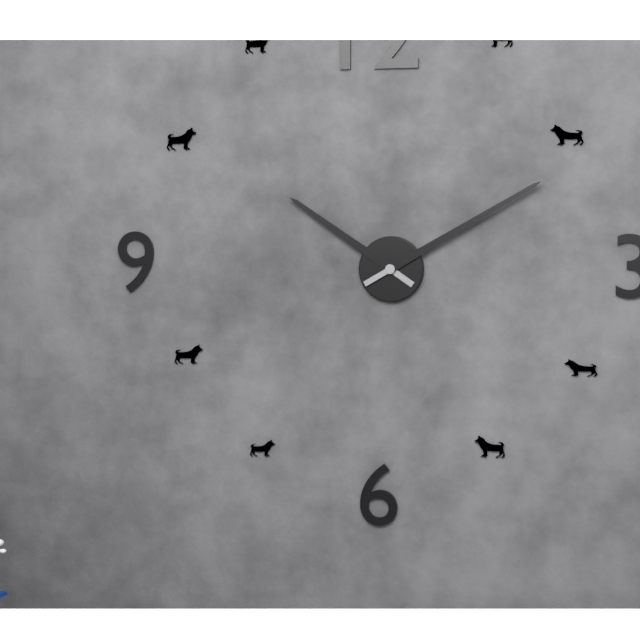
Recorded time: 10:10
